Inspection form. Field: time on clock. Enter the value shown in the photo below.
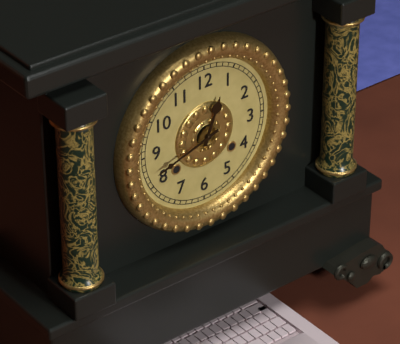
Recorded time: 12:42
